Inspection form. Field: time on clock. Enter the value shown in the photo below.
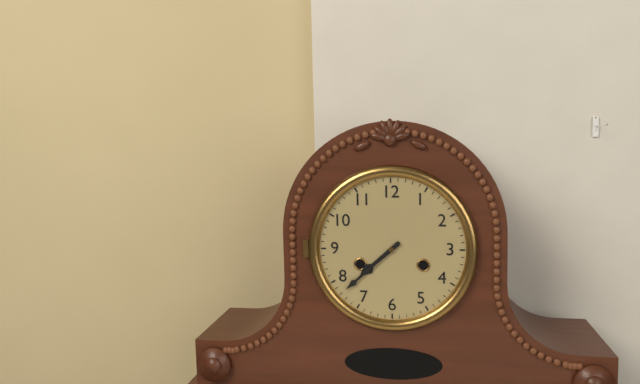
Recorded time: 7:38
